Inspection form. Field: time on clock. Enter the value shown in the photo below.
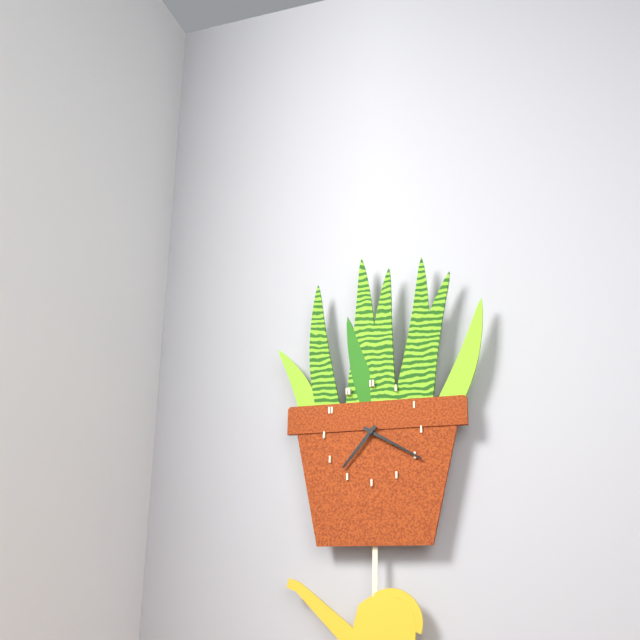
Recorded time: 7:20
